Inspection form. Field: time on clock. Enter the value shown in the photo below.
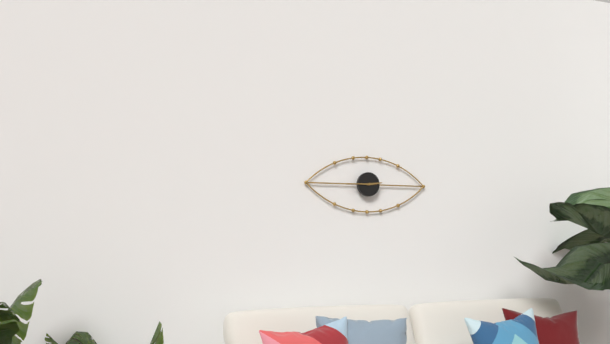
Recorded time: 2:45
